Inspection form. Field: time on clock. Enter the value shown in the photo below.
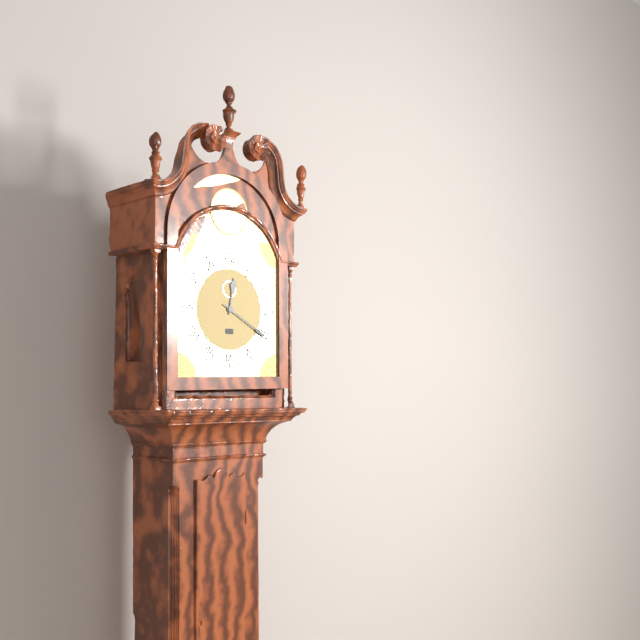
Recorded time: 12:20
